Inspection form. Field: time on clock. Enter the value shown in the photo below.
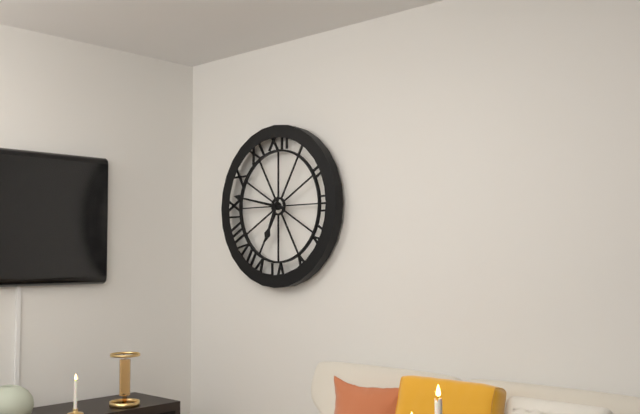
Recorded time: 6:47
